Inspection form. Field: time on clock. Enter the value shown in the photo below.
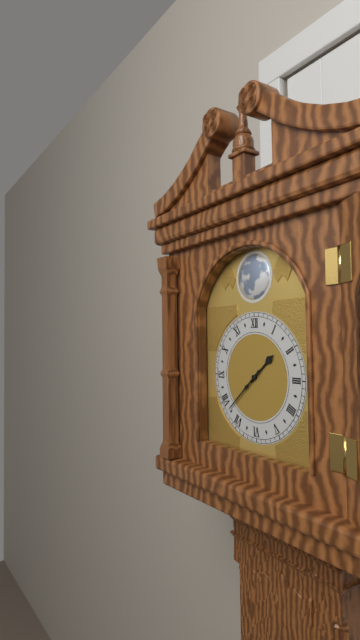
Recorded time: 1:38
